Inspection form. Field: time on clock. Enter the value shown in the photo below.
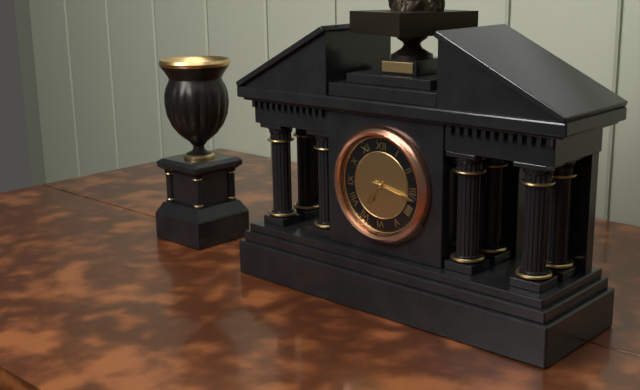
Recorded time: 7:17
